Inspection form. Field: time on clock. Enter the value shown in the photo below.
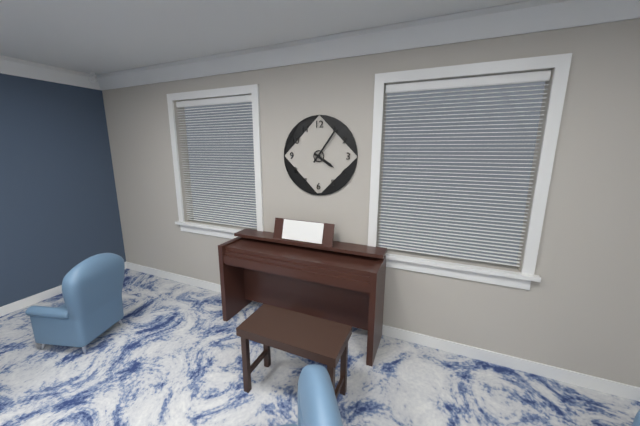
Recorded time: 4:06
